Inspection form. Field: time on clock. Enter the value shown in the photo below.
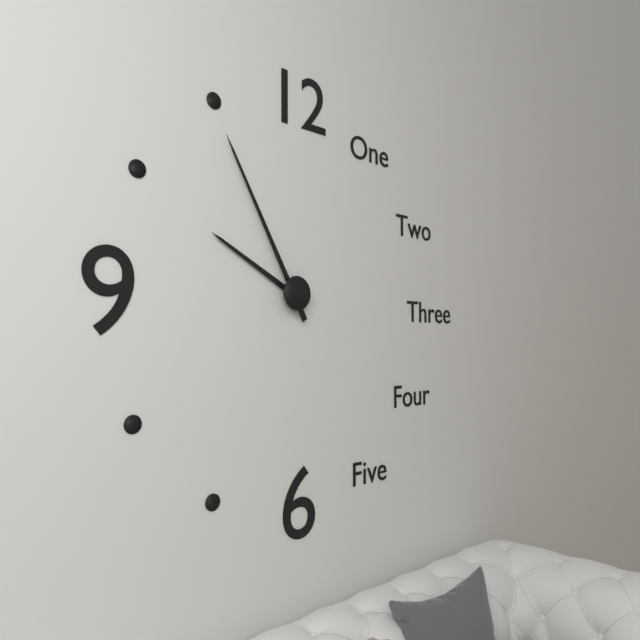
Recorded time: 9:55
